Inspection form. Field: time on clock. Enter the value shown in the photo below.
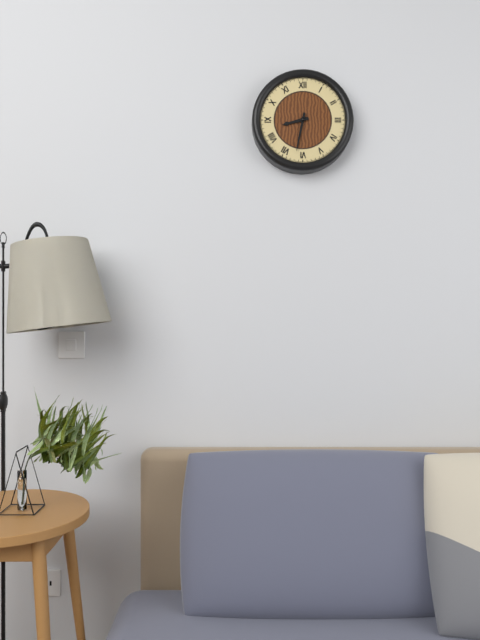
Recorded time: 8:32
